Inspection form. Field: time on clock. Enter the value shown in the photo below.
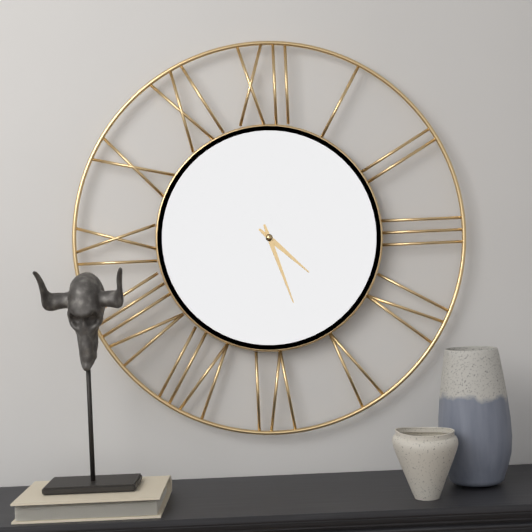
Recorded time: 4:27
